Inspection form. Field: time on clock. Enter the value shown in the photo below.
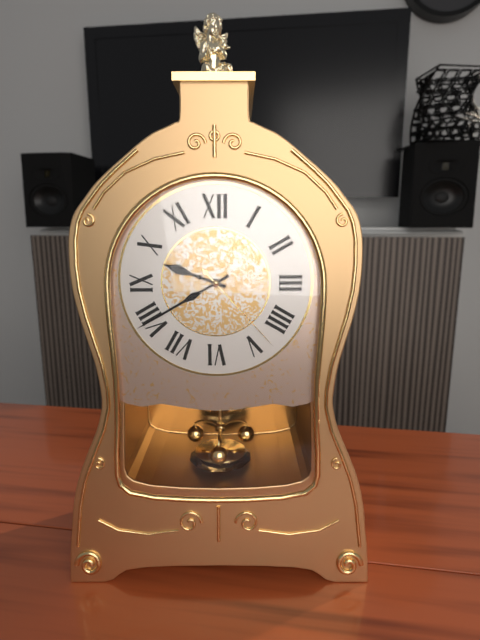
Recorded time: 9:40:23
